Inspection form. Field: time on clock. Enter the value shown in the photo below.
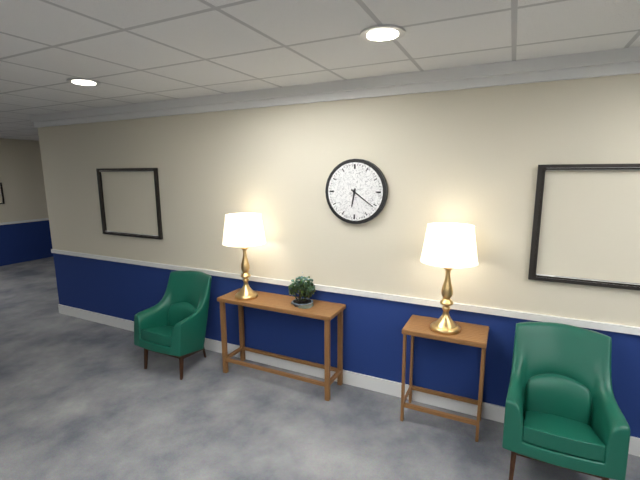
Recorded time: 6:21
